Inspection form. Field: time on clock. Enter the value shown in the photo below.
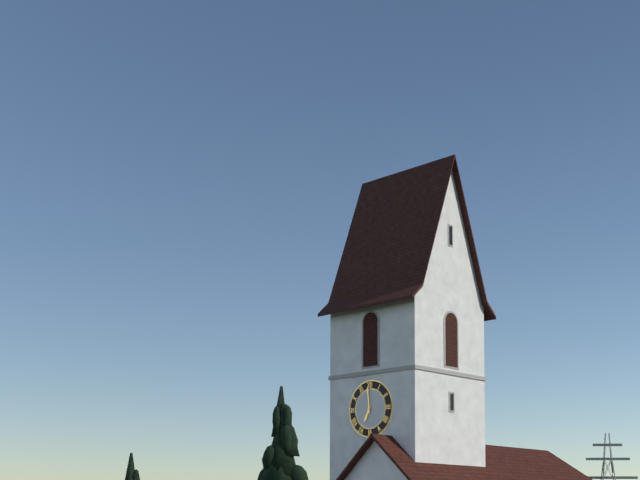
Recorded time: 6:59
